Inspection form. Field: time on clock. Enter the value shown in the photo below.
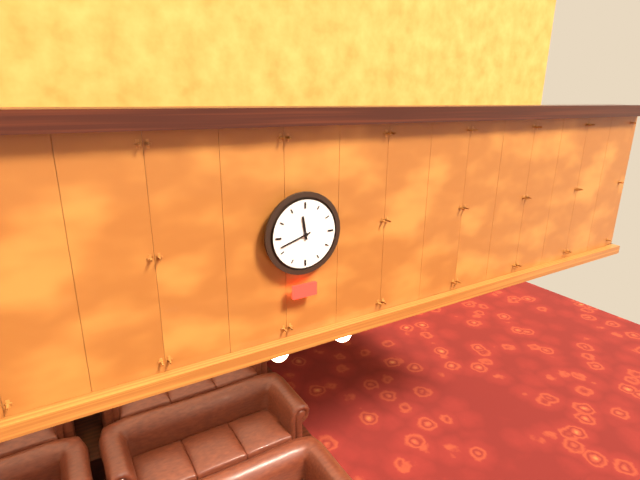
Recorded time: 11:42
